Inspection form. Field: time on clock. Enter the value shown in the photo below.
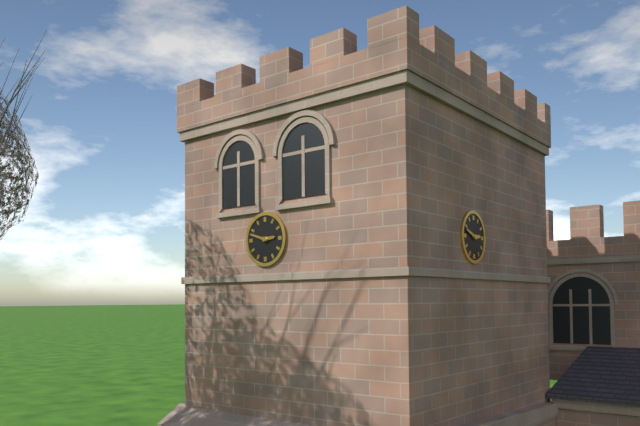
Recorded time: 2:48
